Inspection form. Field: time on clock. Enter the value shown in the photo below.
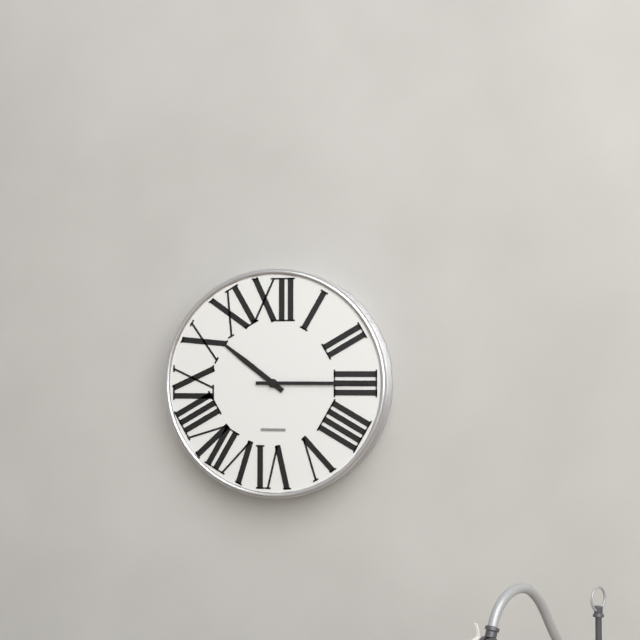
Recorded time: 10:15
